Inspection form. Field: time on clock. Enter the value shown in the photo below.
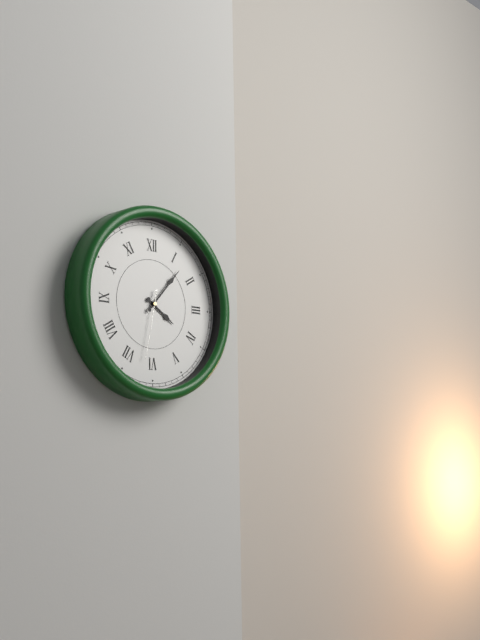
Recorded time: 4:07:32
